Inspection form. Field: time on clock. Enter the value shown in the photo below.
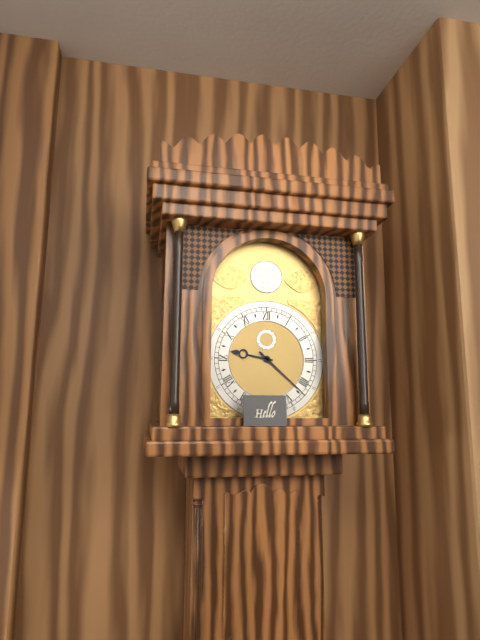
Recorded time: 9:22
